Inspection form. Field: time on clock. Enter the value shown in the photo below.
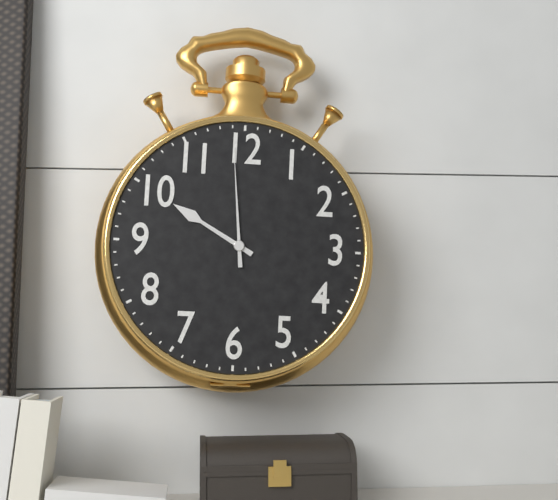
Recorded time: 9:59
